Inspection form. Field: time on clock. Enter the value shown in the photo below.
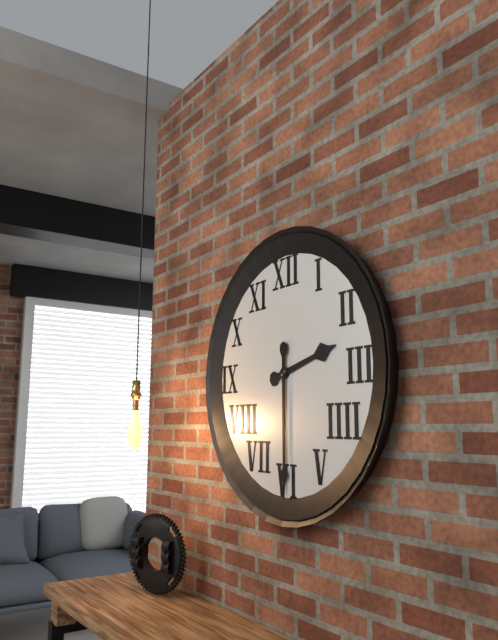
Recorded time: 2:30
